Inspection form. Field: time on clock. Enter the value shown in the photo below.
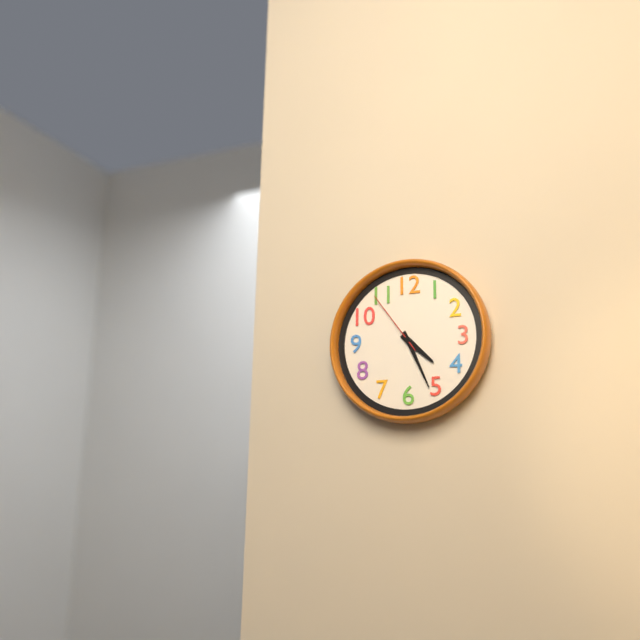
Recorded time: 4:26:54
